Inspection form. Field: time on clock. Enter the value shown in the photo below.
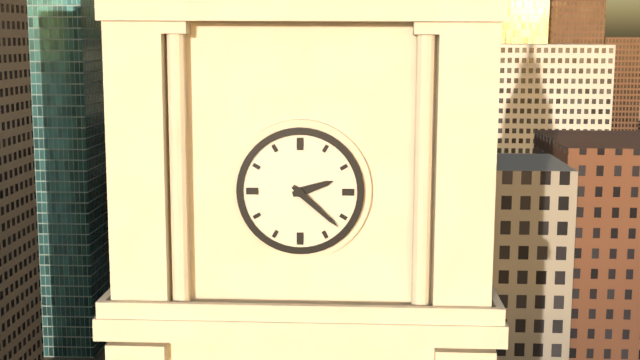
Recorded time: 2:22
